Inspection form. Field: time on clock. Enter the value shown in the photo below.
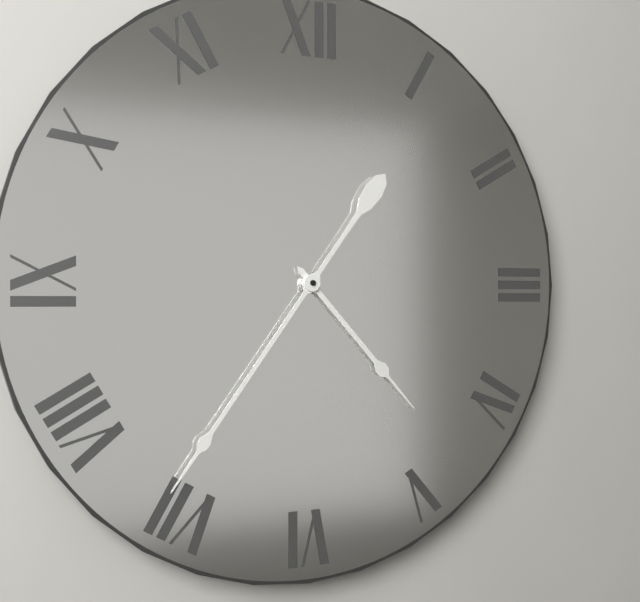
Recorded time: 4:36
